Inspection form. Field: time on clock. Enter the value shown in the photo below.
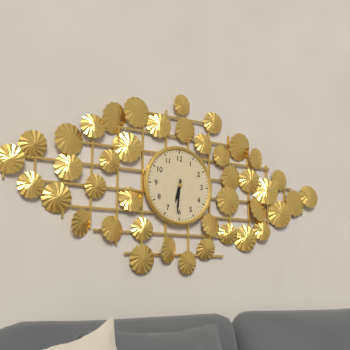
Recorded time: 6:31
